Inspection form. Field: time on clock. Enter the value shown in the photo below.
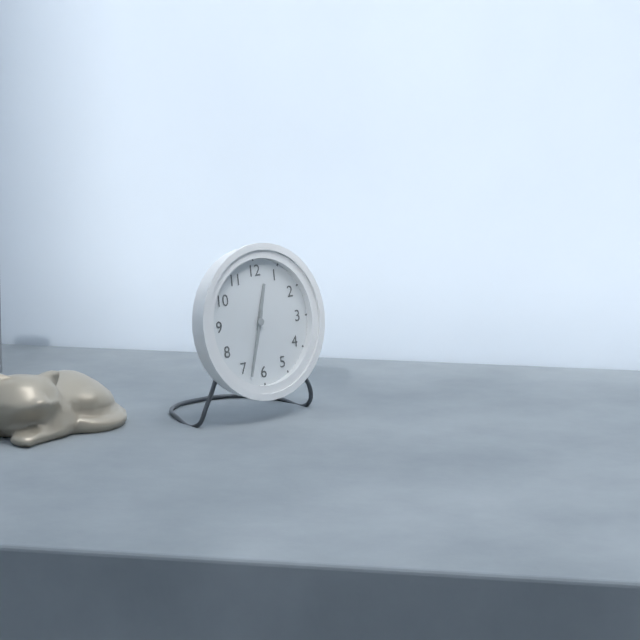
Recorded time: 12:33
